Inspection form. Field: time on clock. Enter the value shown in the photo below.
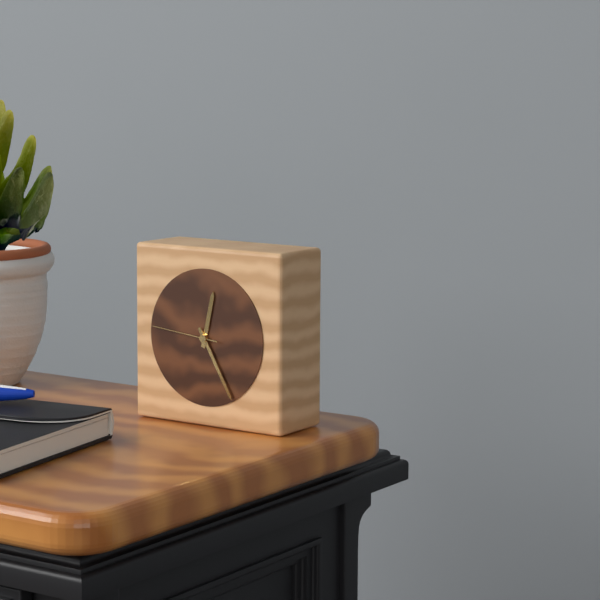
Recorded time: 12:25:46
